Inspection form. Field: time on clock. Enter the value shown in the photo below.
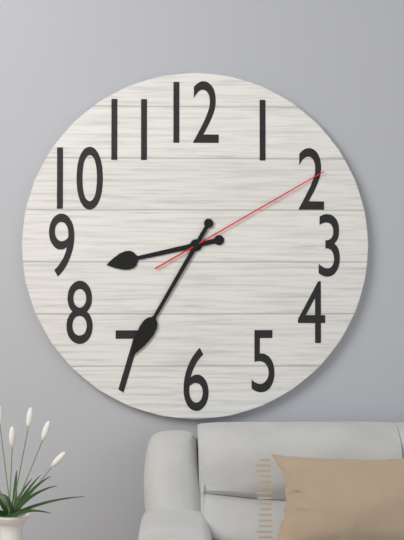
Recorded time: 8:35:10
